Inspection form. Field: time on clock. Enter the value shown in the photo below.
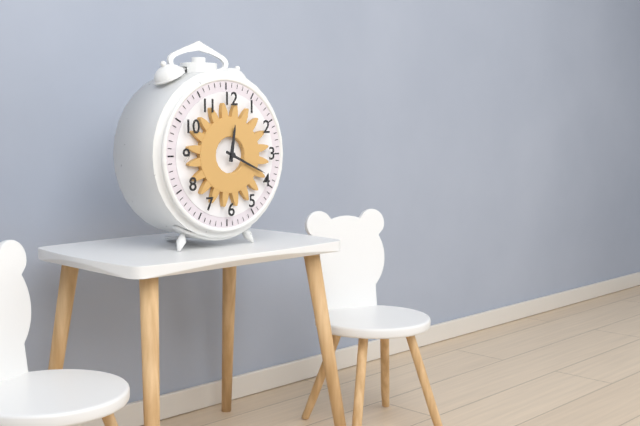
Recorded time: 12:19
